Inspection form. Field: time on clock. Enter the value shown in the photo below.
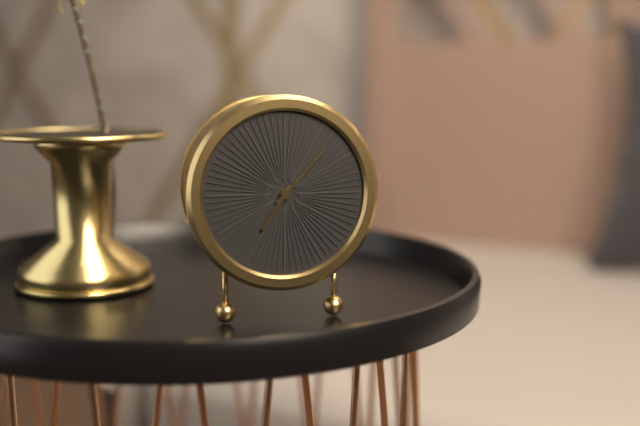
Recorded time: 7:07
